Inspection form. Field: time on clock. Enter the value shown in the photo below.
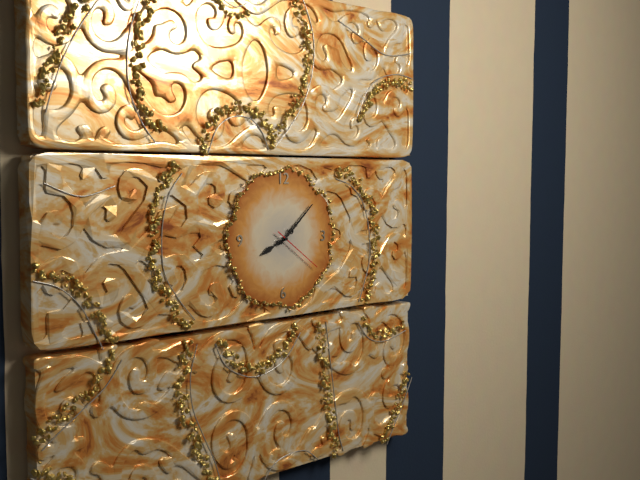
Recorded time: 8:08:21
